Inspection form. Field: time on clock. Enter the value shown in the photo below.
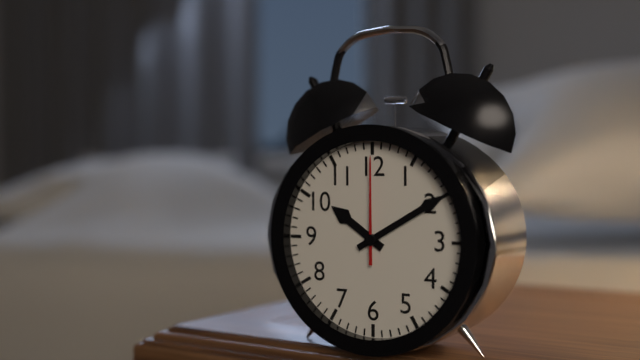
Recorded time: 10:10:00
